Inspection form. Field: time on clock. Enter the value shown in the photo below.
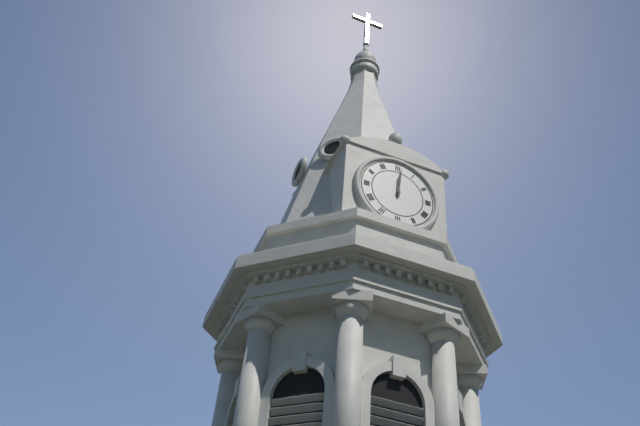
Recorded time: 12:01
